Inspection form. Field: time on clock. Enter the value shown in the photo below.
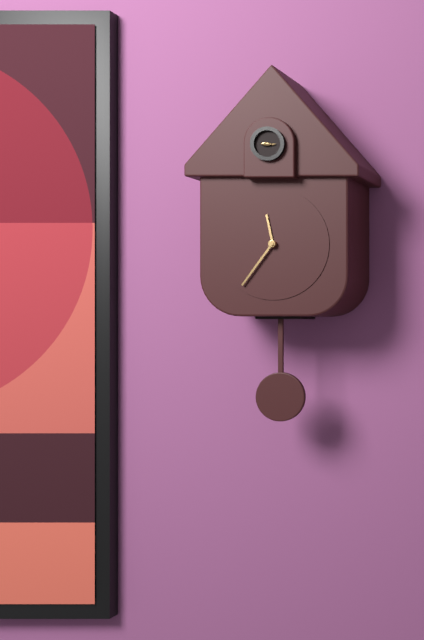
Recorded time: 11:36
